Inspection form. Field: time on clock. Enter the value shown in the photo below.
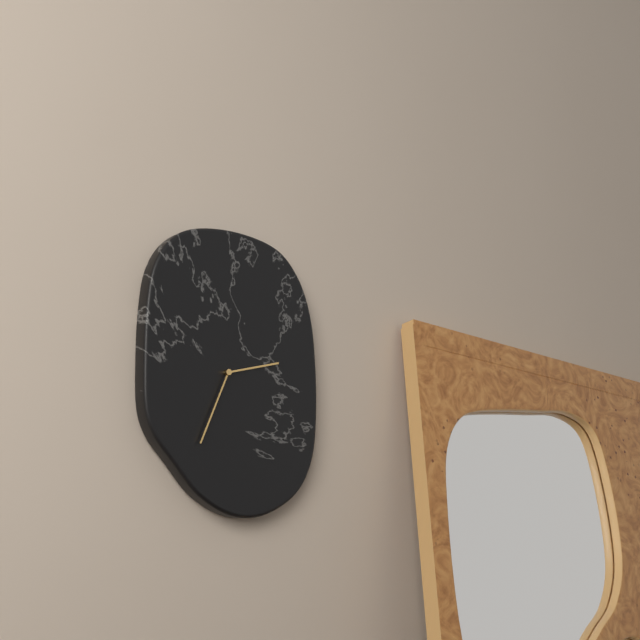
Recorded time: 2:34
